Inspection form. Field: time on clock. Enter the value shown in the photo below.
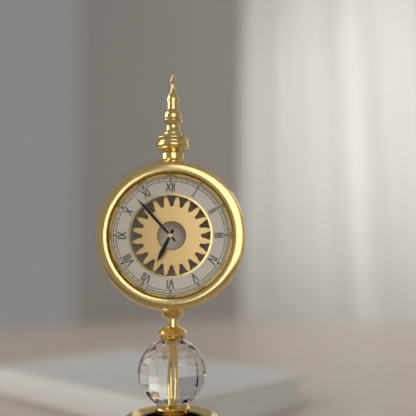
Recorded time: 6:53
